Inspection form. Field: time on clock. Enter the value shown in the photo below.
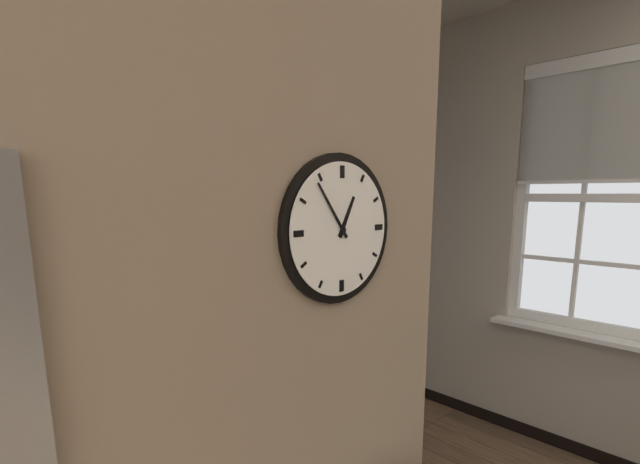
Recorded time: 12:54
